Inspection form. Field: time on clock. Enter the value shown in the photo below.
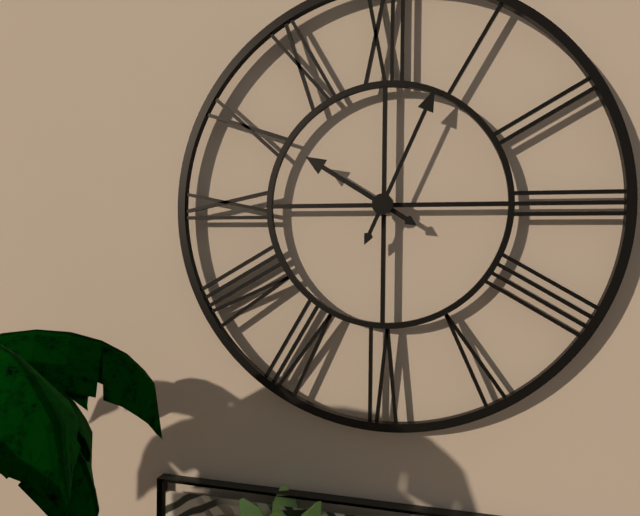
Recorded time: 10:04
